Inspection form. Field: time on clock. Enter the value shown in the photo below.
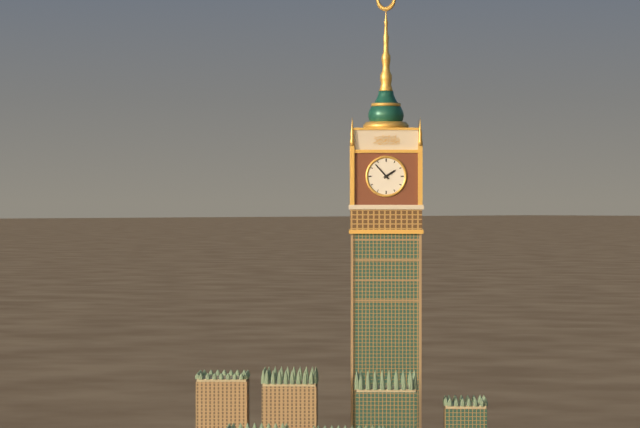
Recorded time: 1:53
